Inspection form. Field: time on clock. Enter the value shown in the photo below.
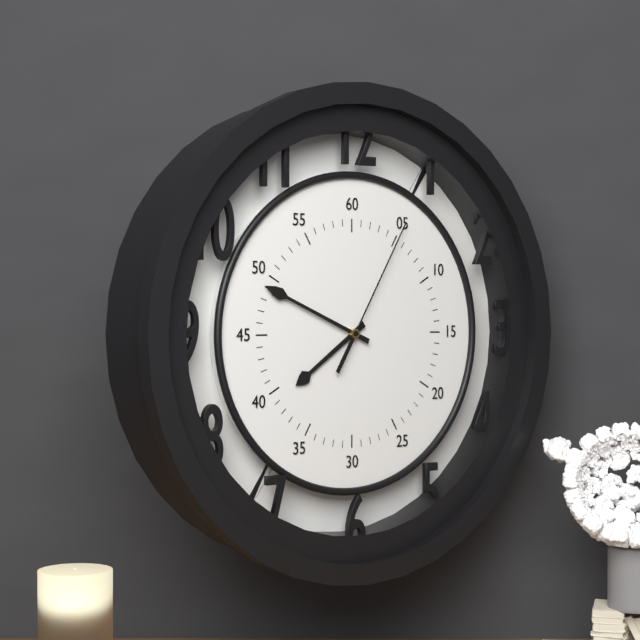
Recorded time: 7:49:05
